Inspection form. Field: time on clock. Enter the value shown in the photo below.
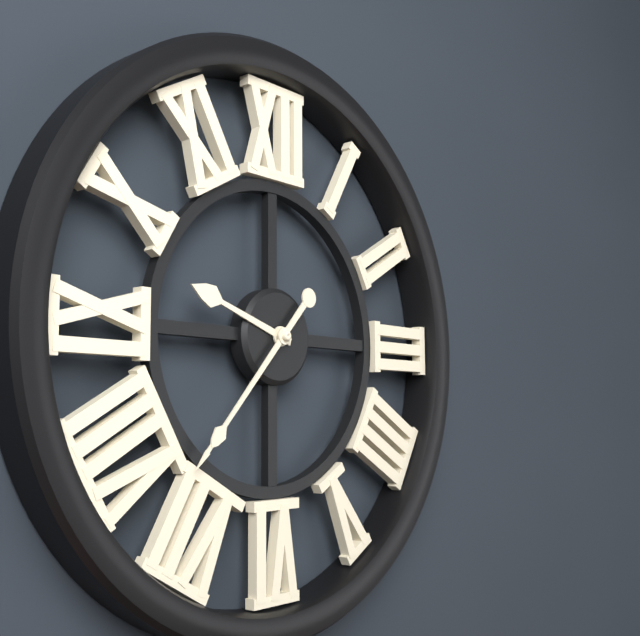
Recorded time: 9:37
